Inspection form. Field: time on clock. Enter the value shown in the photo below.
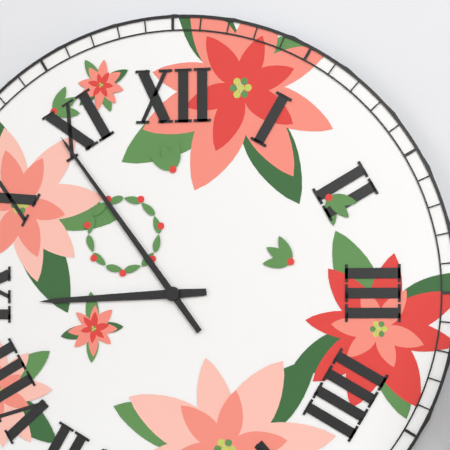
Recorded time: 8:54
